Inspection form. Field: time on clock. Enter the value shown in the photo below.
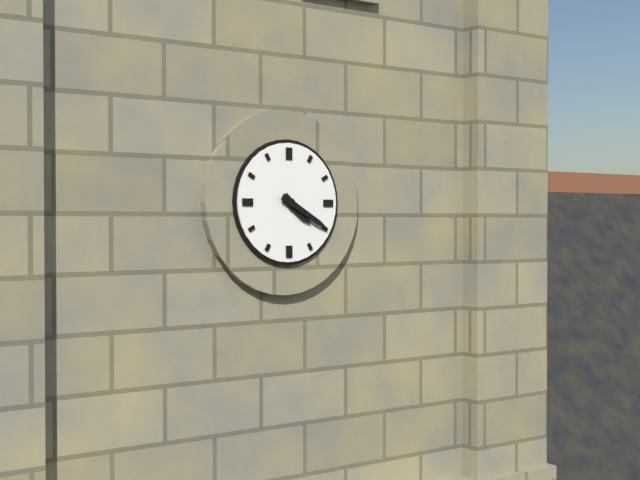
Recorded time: 4:20
